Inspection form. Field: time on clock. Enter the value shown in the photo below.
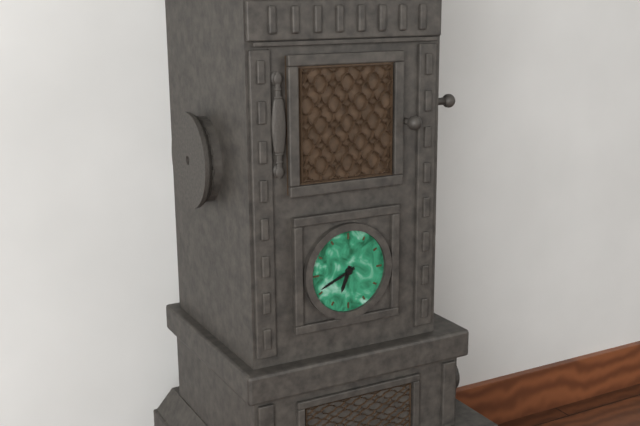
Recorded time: 6:41
